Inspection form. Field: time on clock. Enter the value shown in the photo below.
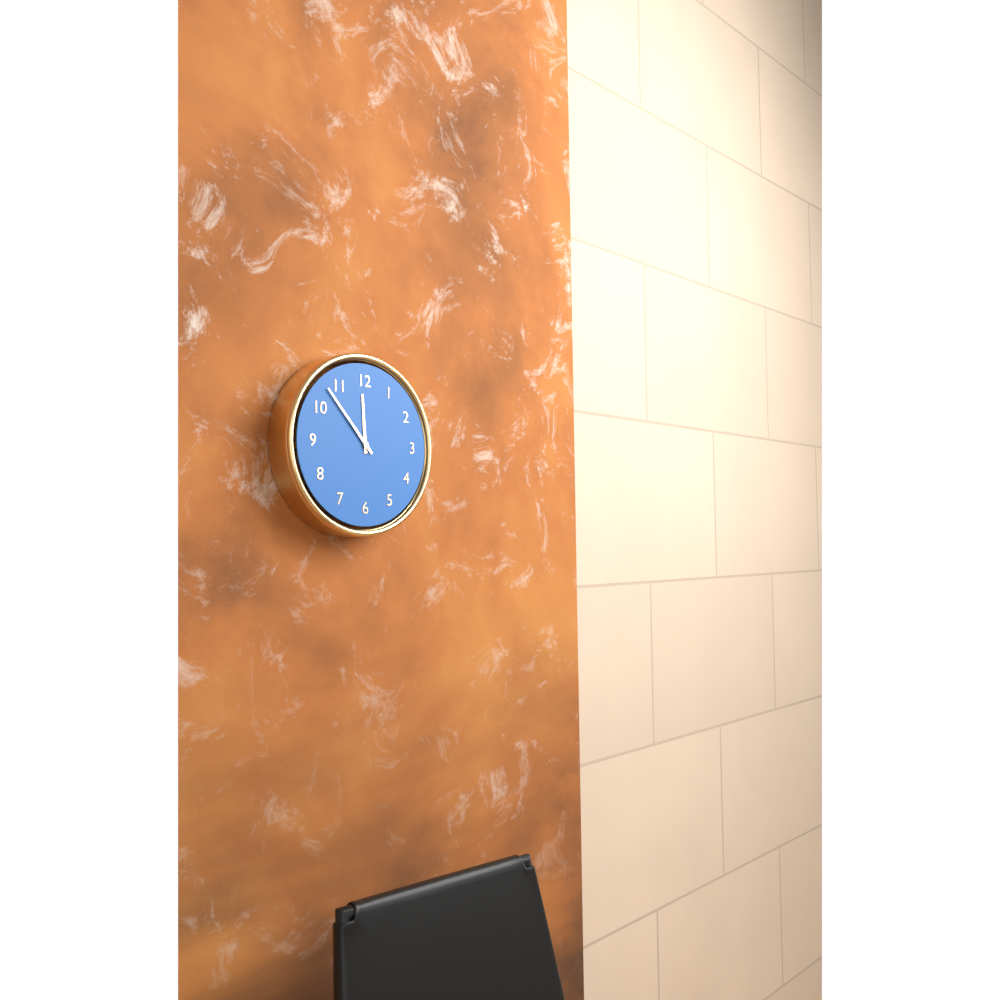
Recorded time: 11:53
